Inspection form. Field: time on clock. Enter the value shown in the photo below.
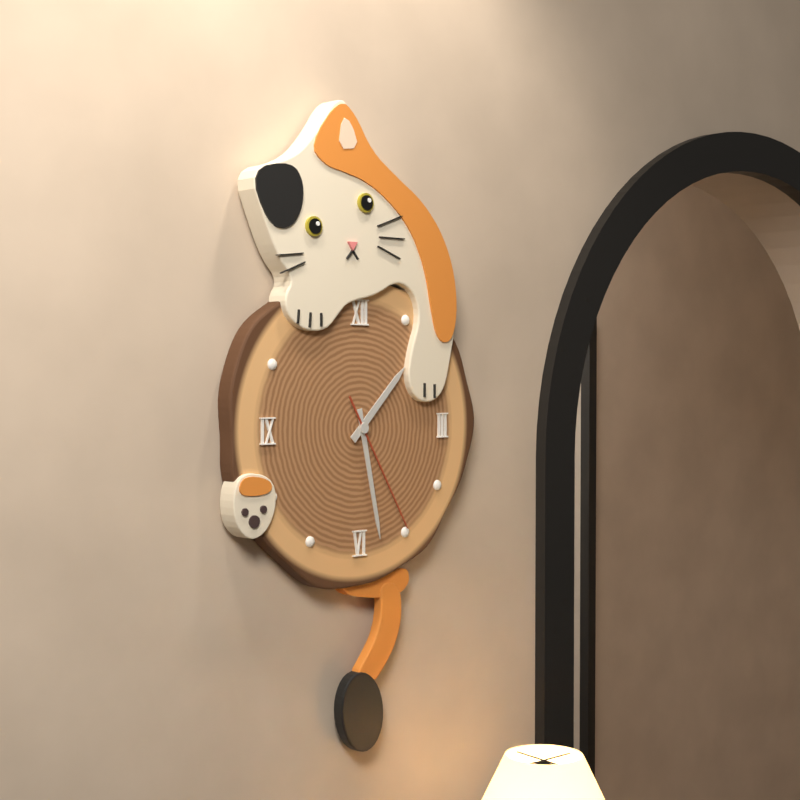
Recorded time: 1:28:25
